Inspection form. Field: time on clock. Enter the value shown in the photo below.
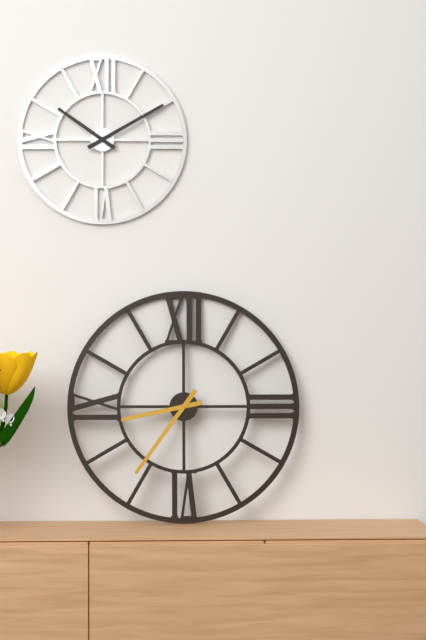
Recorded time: 8:36
